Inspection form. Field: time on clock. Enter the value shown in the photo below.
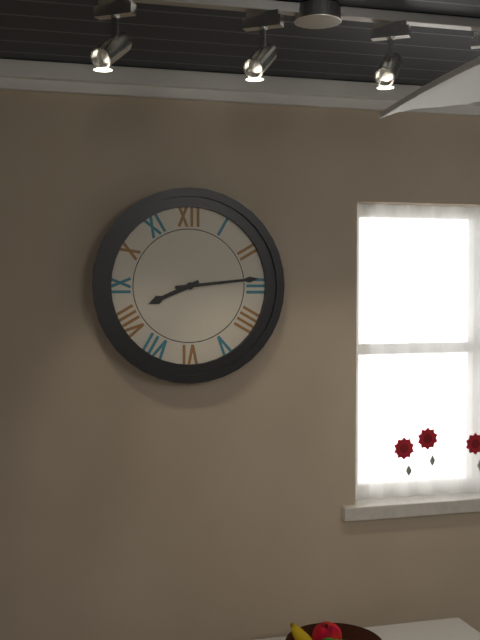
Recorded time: 8:14
